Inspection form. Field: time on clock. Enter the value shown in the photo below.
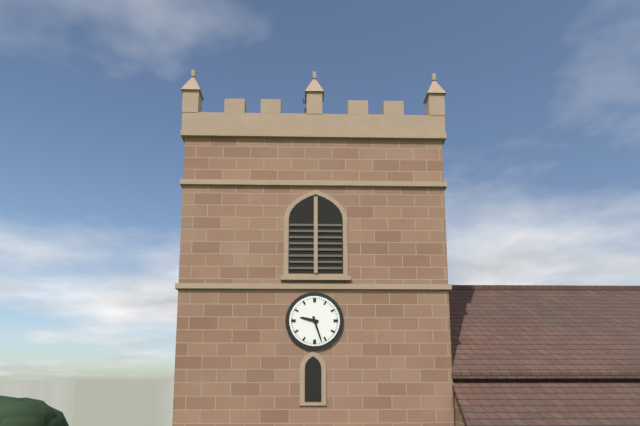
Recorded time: 9:27
